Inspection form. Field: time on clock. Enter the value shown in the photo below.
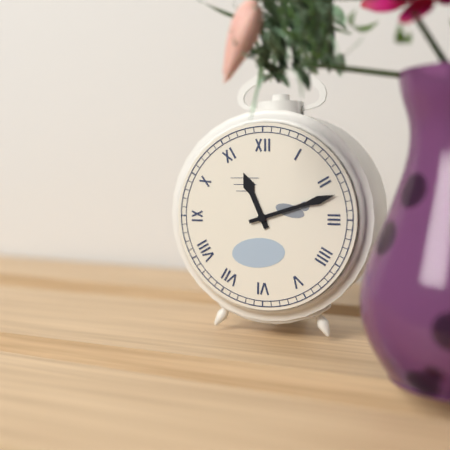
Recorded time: 11:12
